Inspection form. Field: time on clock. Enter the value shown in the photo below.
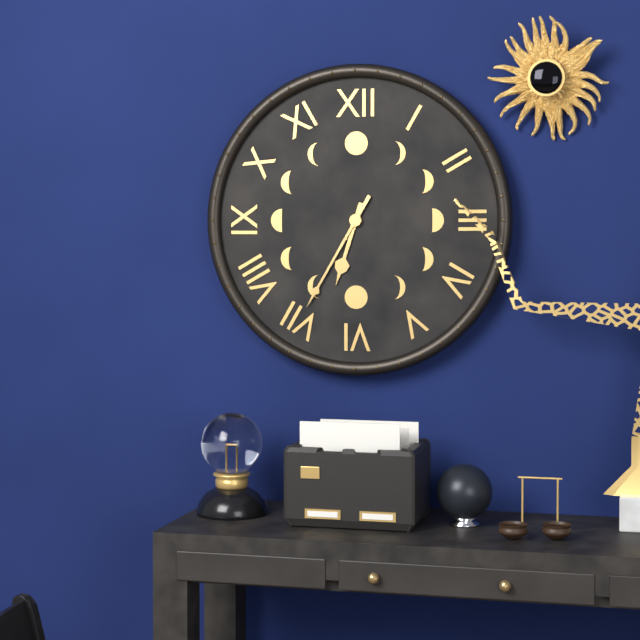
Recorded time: 6:35
